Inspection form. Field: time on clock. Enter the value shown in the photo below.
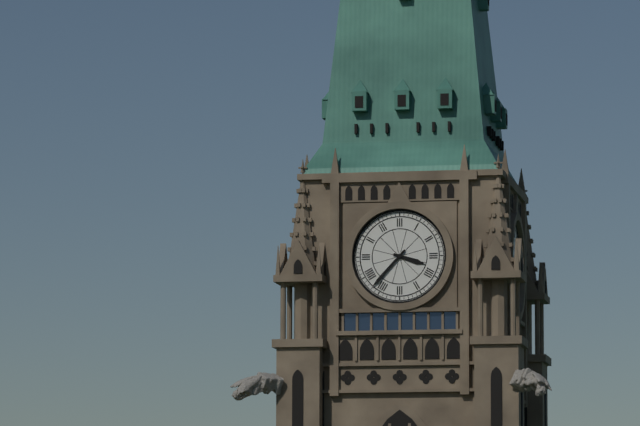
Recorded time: 3:37
